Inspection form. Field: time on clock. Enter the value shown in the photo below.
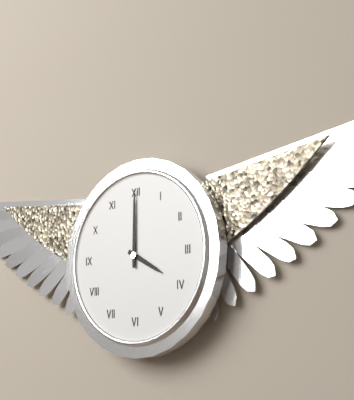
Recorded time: 4:00
